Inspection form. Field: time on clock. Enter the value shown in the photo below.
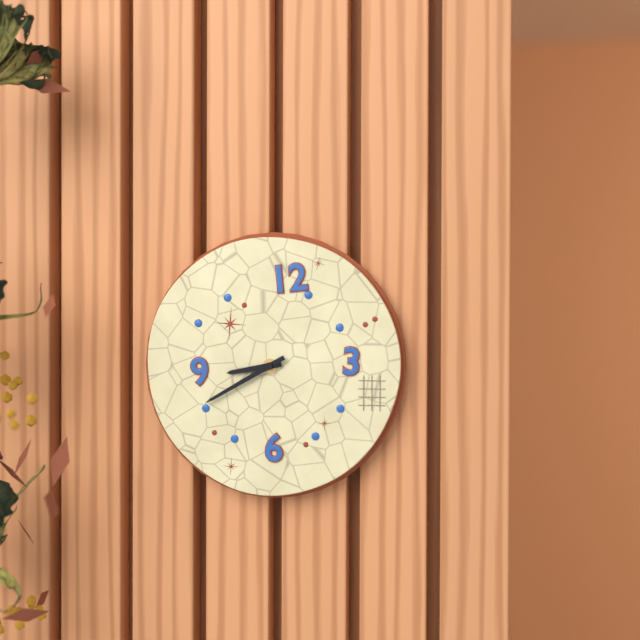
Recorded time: 8:40
